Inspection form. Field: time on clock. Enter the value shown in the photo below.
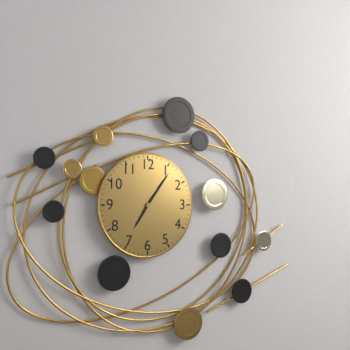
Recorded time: 7:06
